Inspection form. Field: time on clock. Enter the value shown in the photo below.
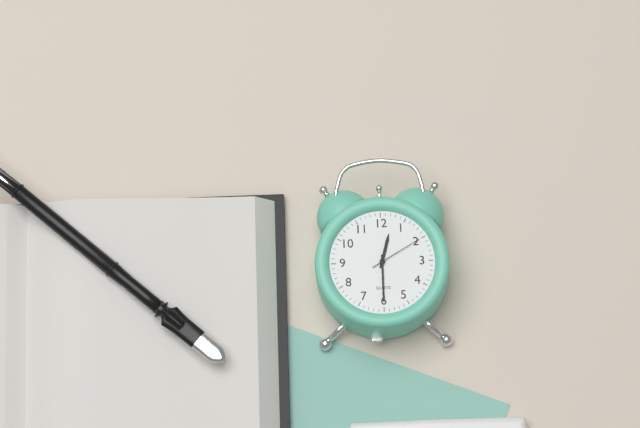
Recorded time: 12:30:10
